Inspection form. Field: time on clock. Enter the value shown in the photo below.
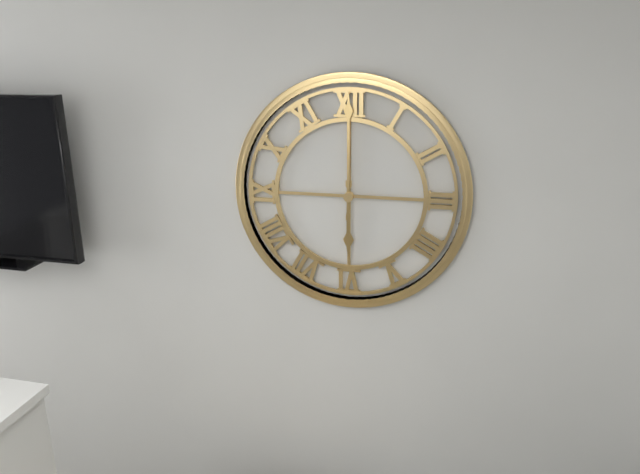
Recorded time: 6:00
